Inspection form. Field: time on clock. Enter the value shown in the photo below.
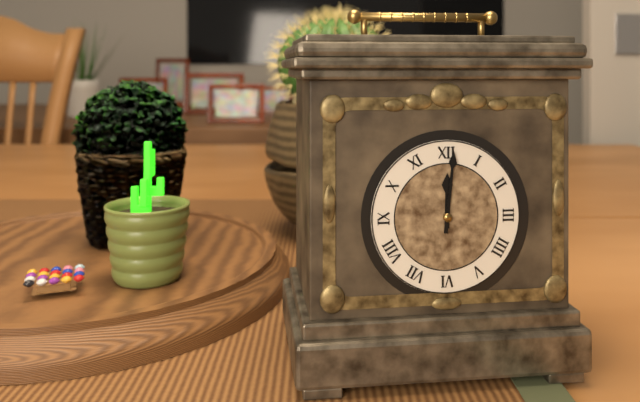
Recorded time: 12:01
